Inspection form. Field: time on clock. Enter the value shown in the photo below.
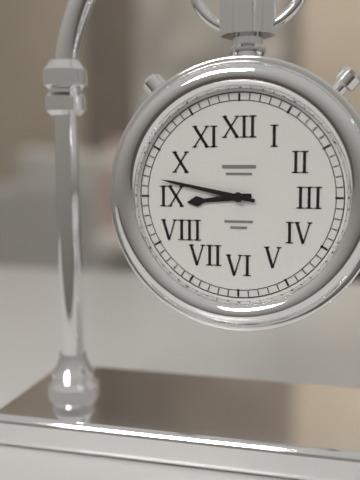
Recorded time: 8:47
